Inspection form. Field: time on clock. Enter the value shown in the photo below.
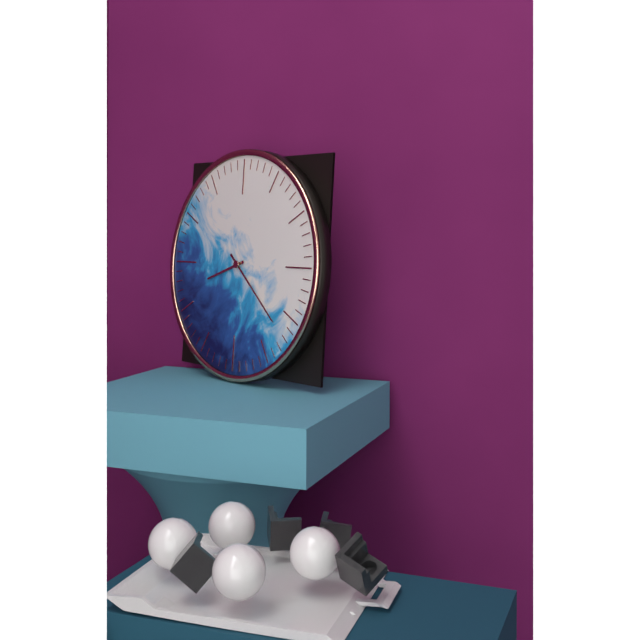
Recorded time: 8:22
